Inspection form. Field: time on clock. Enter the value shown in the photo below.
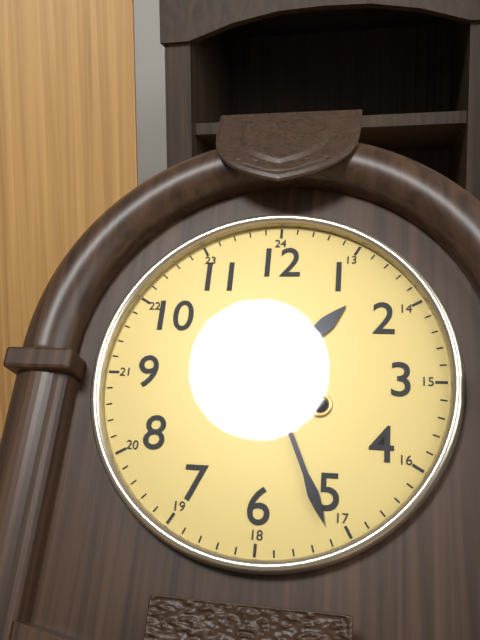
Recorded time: 1:26
